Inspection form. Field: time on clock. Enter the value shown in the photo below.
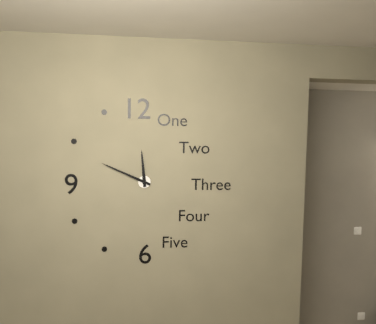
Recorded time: 11:49
